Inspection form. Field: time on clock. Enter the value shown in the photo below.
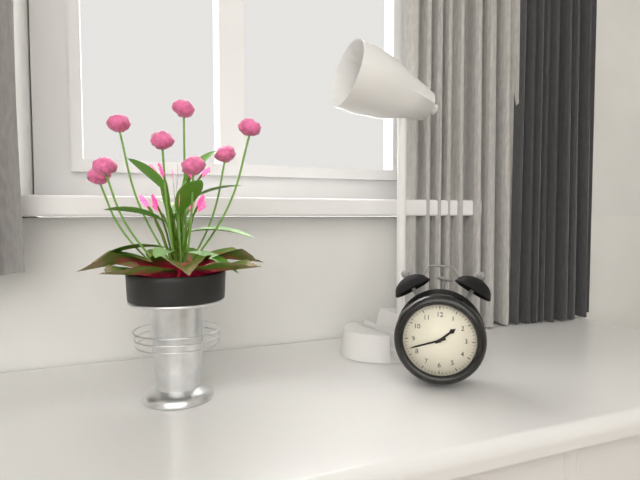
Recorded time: 1:42
